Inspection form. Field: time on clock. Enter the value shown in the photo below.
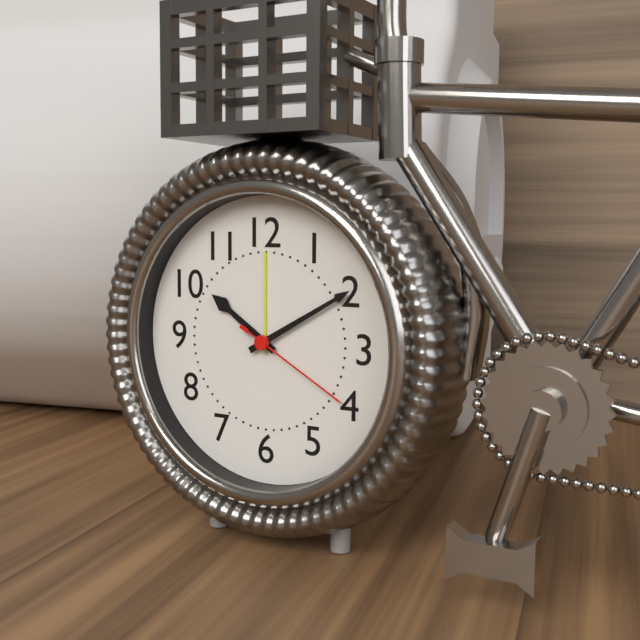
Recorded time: 10:10:20
